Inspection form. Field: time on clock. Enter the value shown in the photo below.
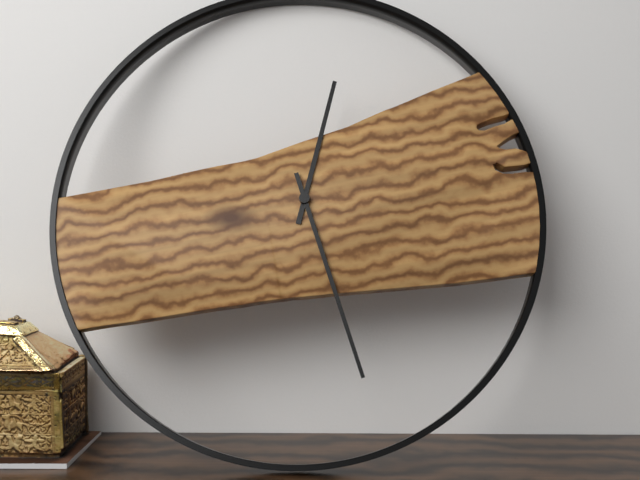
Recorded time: 12:27
